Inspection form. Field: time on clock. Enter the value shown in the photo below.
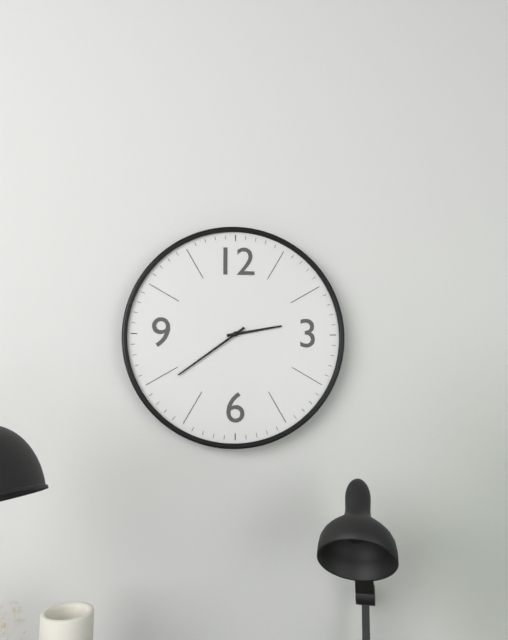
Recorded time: 2:39
